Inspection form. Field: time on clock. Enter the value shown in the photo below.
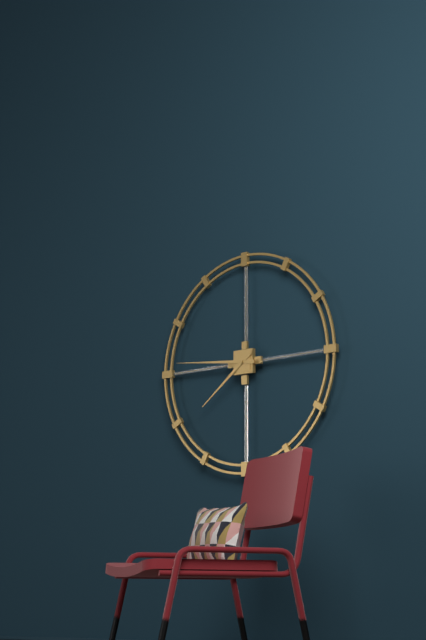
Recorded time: 7:46
